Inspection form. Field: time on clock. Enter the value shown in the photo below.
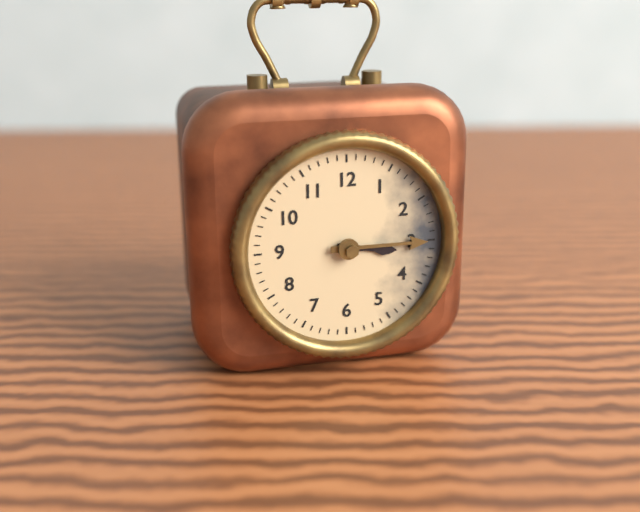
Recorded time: 3:15
